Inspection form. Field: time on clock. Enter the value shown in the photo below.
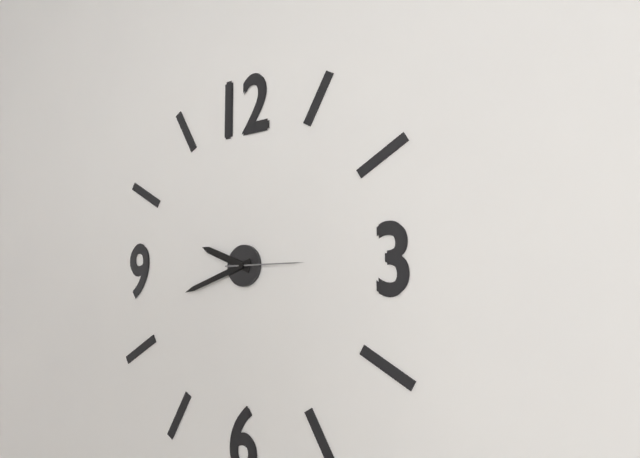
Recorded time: 9:42:15
